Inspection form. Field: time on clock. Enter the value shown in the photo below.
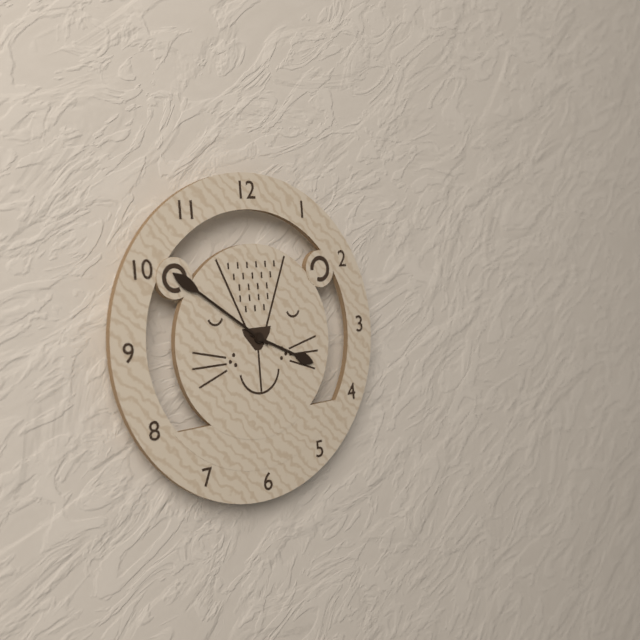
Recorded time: 3:51
